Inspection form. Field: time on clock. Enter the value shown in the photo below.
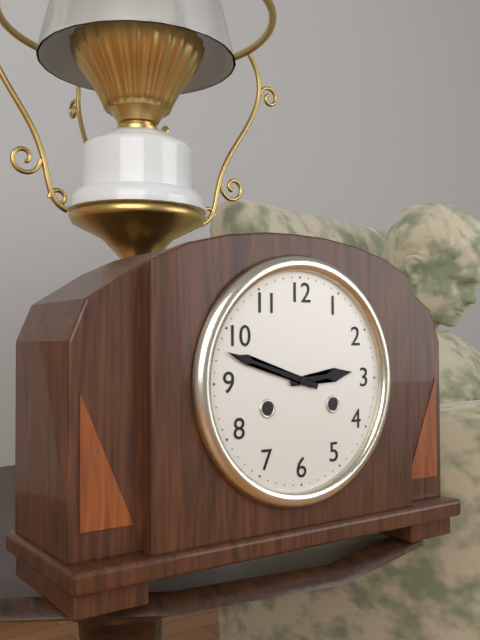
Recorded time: 2:48
